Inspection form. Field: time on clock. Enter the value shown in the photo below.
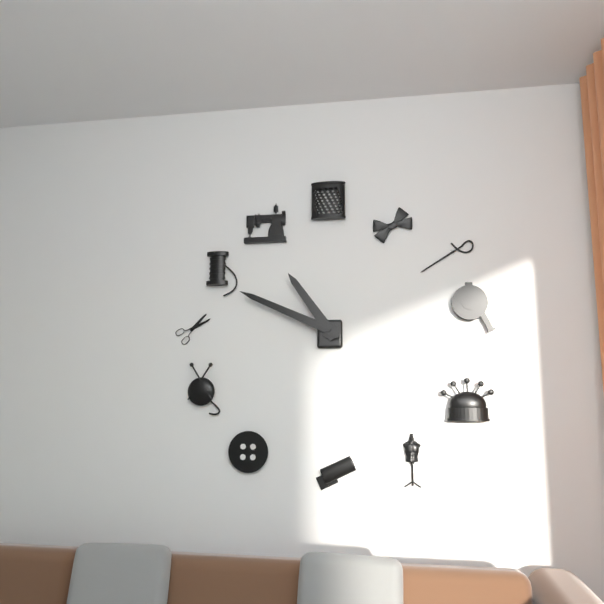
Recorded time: 10:49
